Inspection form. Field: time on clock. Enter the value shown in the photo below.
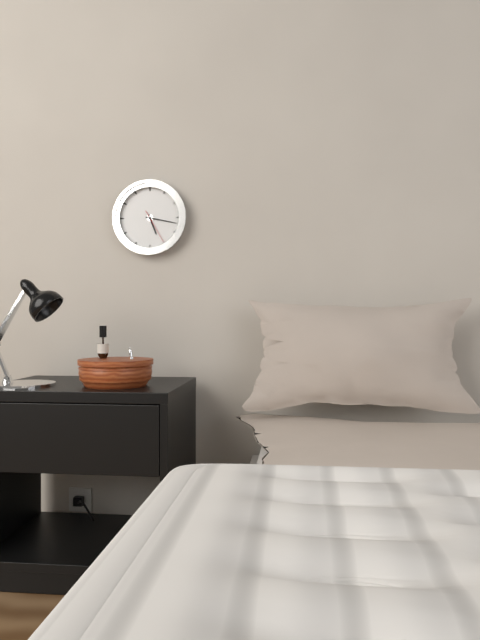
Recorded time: 5:17
